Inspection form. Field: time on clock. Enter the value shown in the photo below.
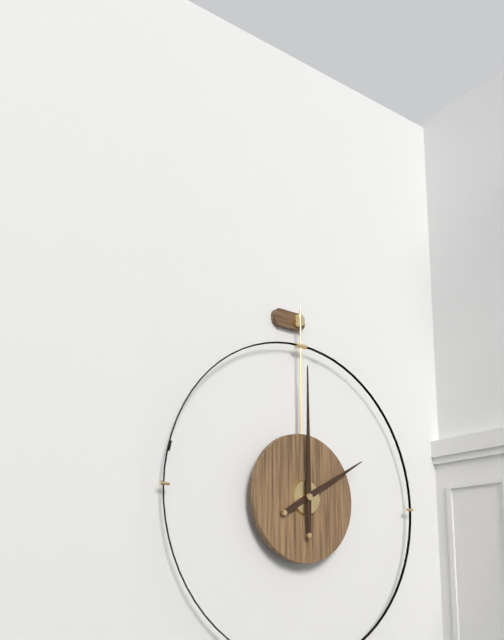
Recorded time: 2:00
